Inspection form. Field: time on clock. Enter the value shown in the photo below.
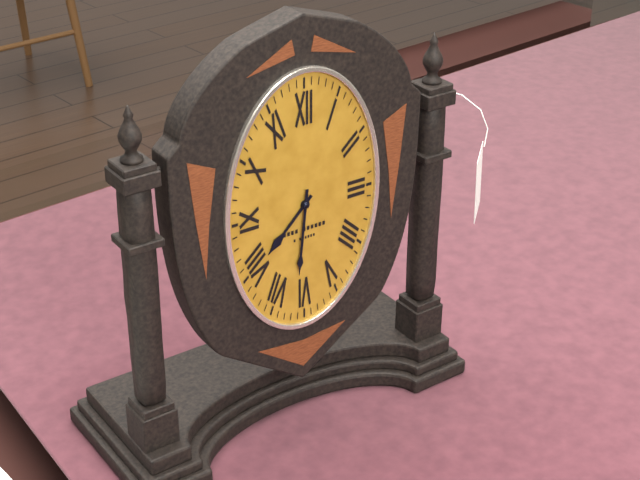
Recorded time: 7:31
